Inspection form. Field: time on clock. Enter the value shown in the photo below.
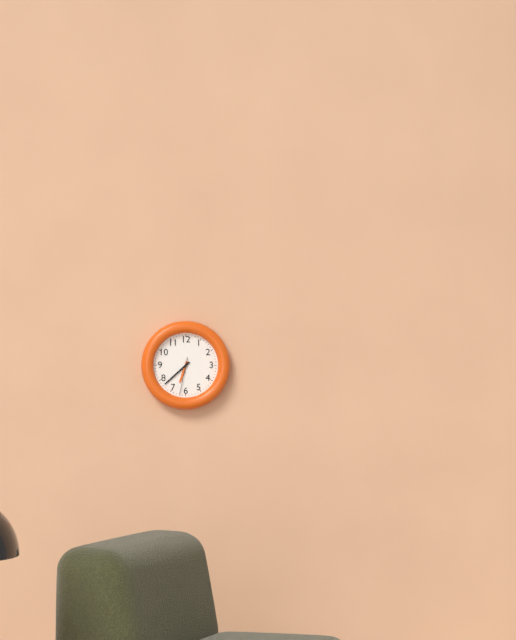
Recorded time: 6:38
